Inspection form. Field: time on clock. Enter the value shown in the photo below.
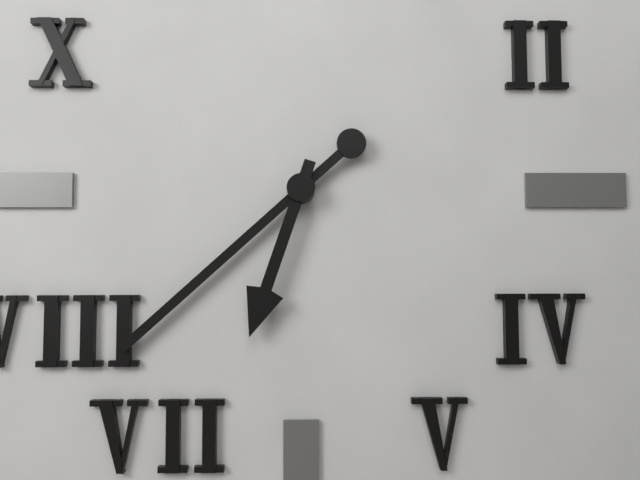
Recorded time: 6:38
